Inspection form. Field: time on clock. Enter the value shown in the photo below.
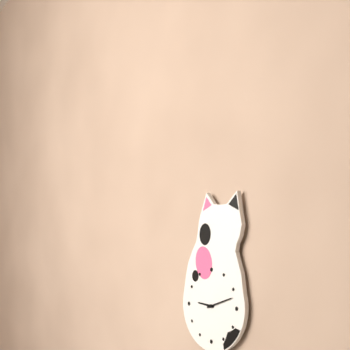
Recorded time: 9:12
